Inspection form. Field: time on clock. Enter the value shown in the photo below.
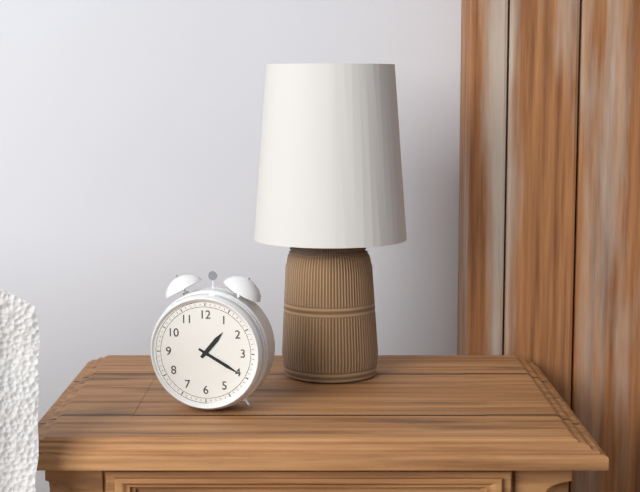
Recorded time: 1:20
